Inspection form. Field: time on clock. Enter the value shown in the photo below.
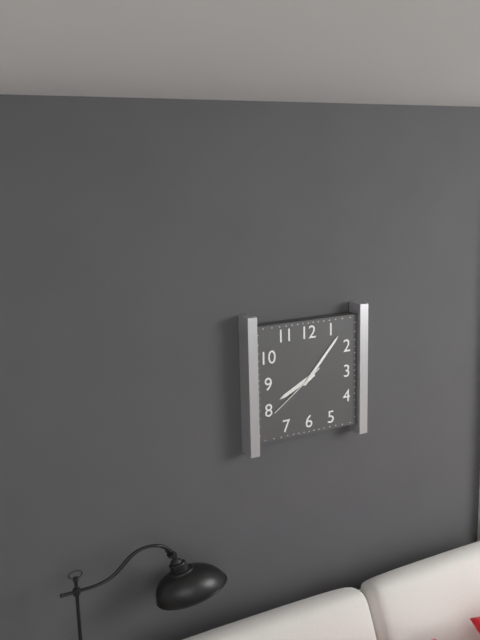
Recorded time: 8:07:39
